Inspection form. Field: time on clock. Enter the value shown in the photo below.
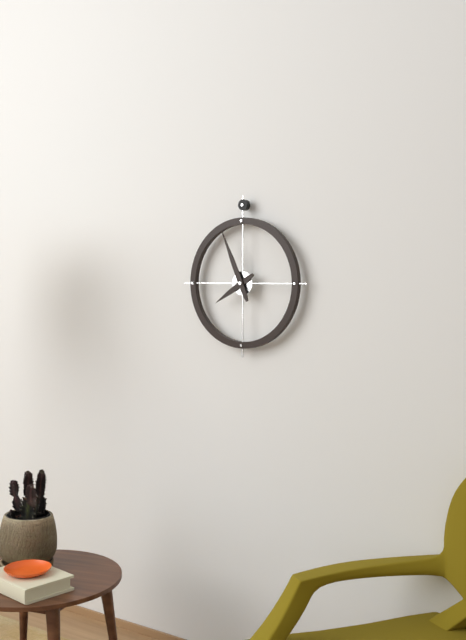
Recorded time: 7:56
